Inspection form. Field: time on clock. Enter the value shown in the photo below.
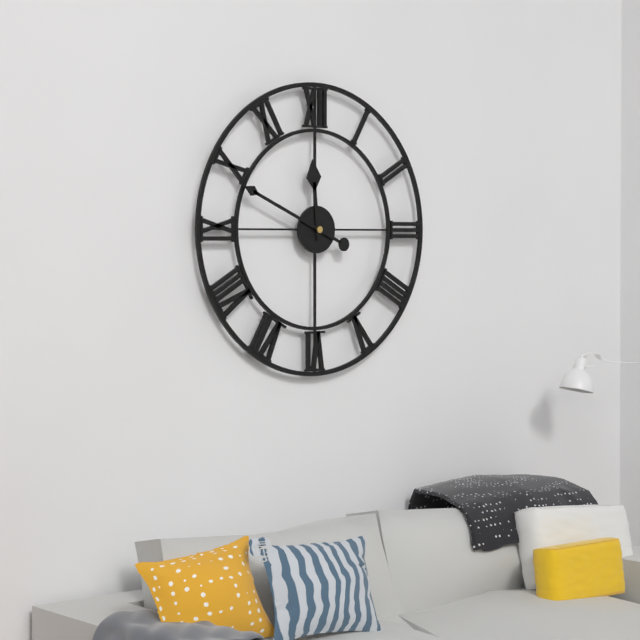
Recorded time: 11:49
